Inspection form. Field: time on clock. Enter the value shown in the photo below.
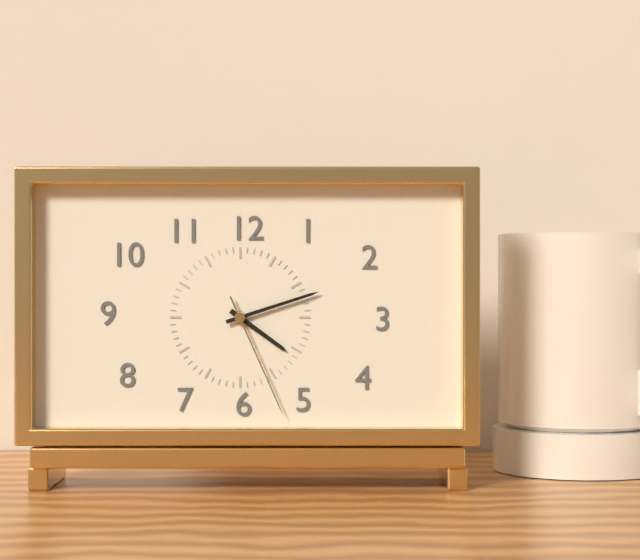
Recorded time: 4:12:26
